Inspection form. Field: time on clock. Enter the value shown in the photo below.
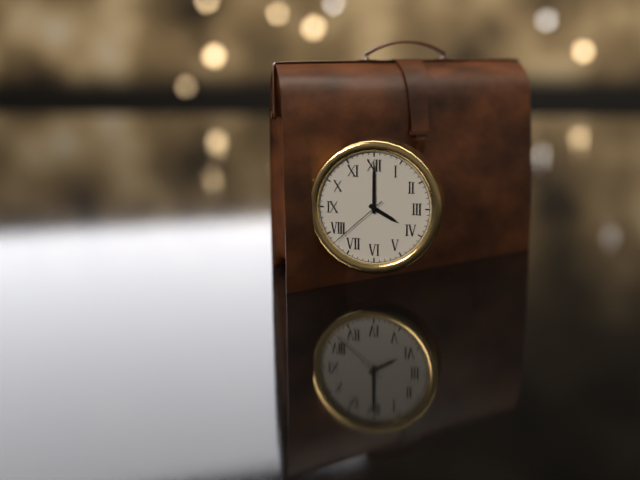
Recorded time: 4:00:38
